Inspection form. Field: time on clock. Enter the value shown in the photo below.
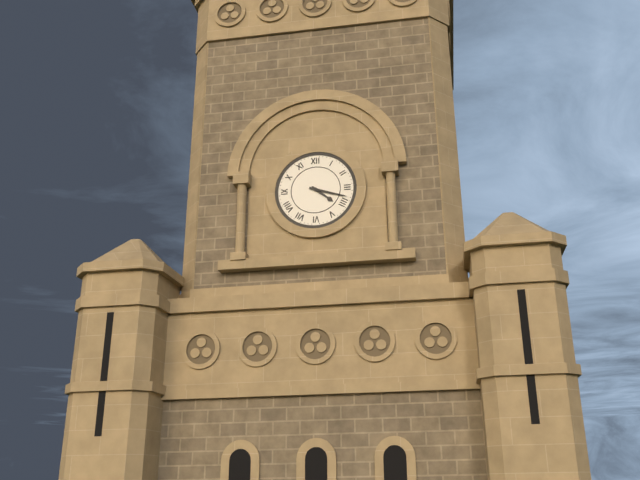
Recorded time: 4:18
